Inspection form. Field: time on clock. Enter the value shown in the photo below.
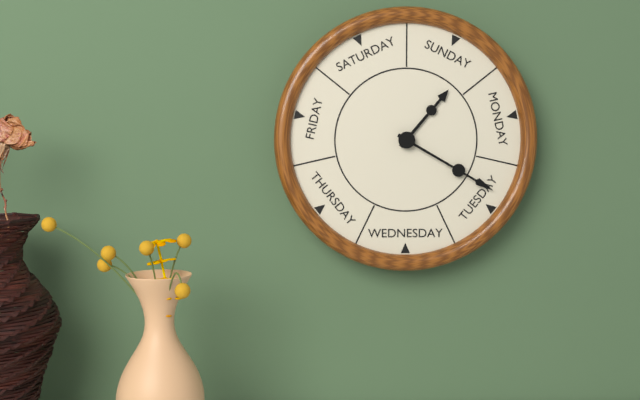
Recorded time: 1:20
